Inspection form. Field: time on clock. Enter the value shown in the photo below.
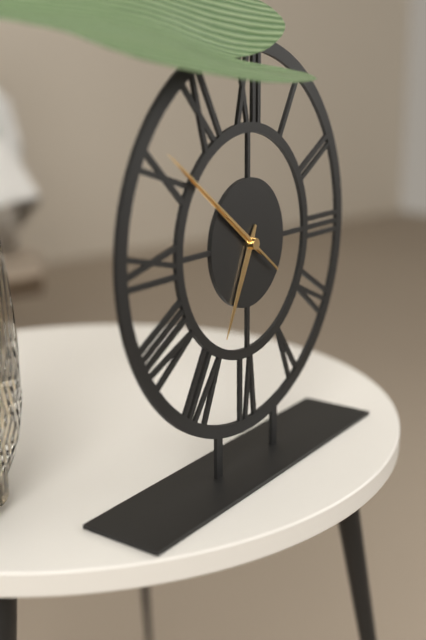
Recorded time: 6:51:51
